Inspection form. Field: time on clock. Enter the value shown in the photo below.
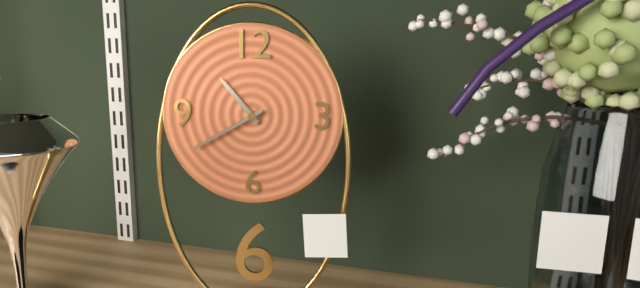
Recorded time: 10:40
